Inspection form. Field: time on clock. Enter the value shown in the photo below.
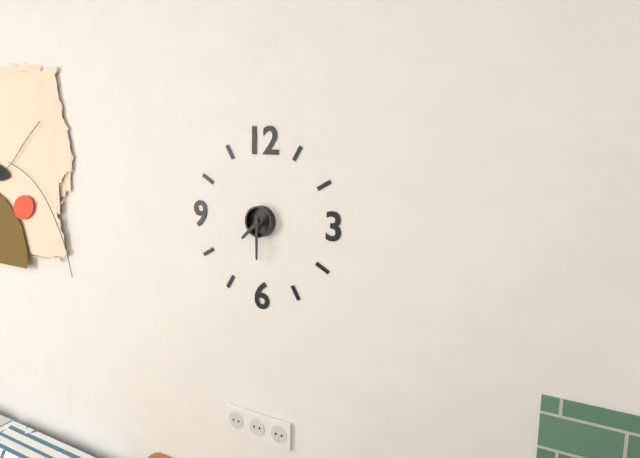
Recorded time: 7:30
